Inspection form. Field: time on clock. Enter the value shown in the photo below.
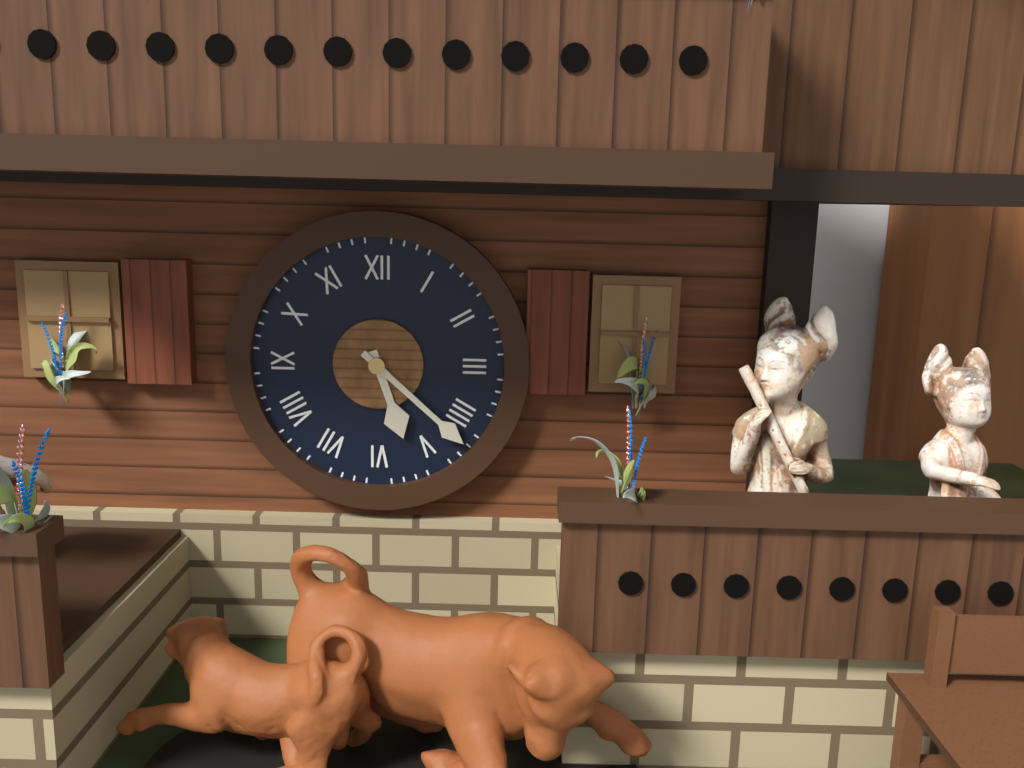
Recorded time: 5:22
